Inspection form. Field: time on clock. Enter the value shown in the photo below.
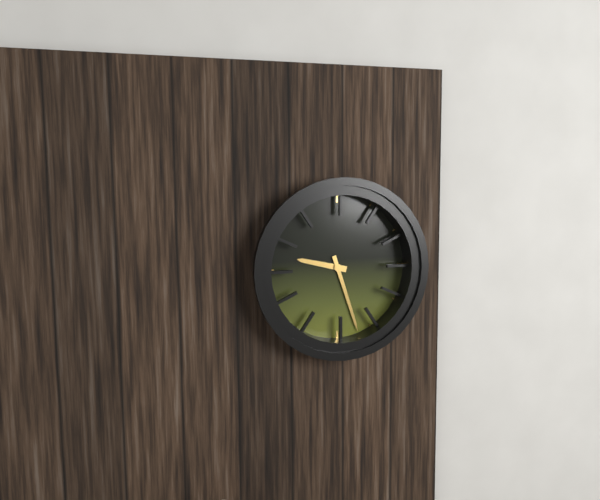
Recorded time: 9:27
